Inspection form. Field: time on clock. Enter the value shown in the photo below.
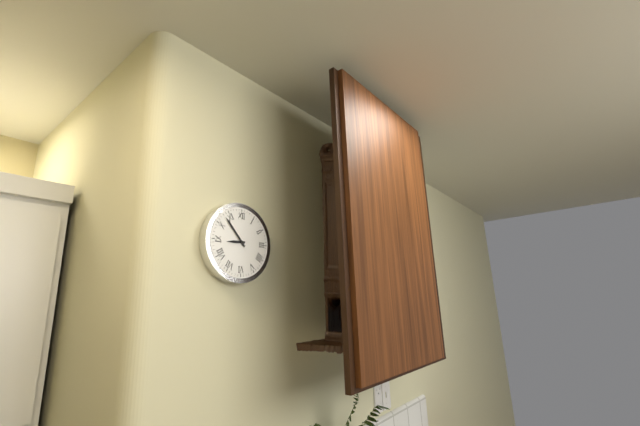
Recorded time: 8:53
